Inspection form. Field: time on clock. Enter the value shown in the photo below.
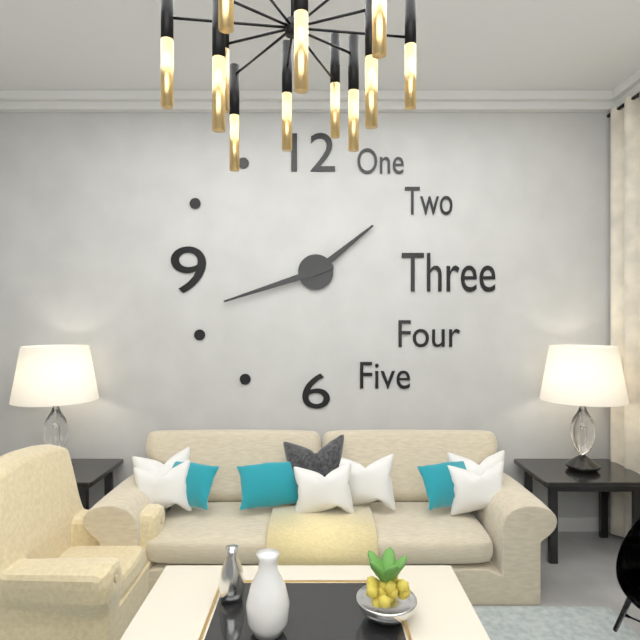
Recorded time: 1:42
